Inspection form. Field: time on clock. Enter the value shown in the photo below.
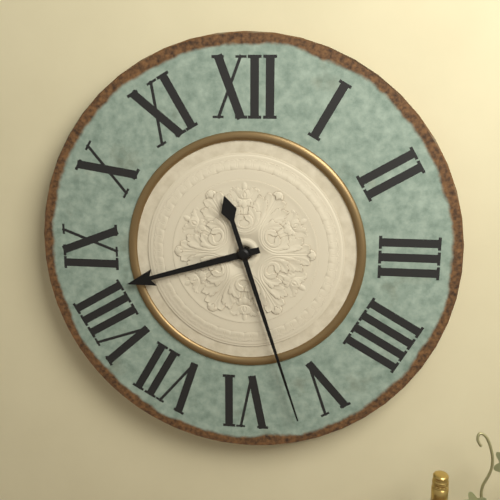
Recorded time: 8:27
